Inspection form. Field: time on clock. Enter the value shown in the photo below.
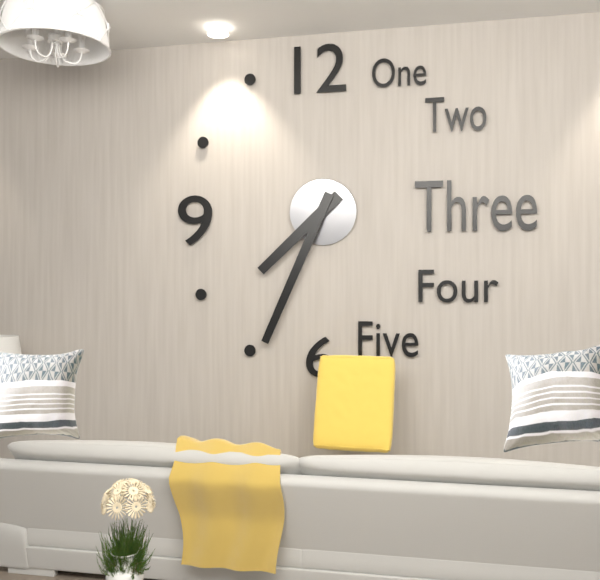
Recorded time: 7:34
